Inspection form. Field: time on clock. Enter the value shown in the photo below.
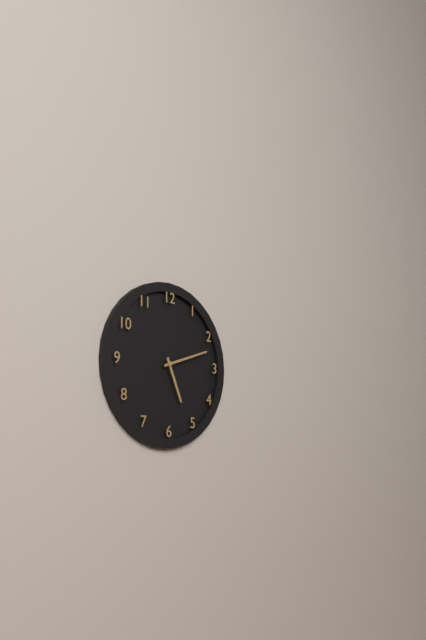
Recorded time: 5:12
